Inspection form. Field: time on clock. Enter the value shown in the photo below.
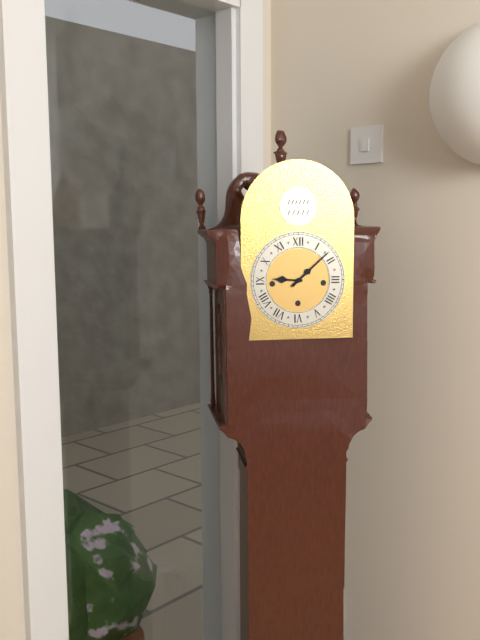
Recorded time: 9:08
